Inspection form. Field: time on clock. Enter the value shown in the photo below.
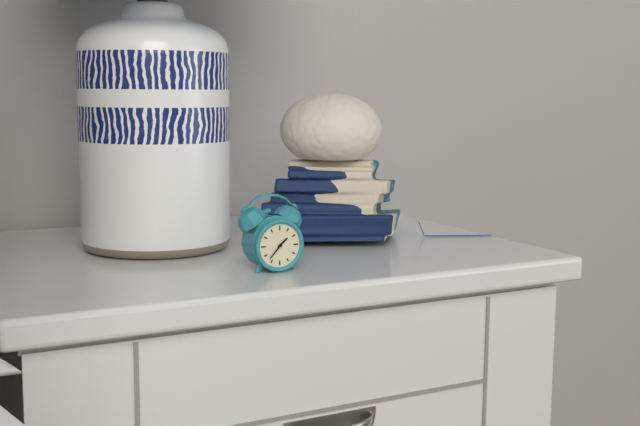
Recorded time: 1:37
